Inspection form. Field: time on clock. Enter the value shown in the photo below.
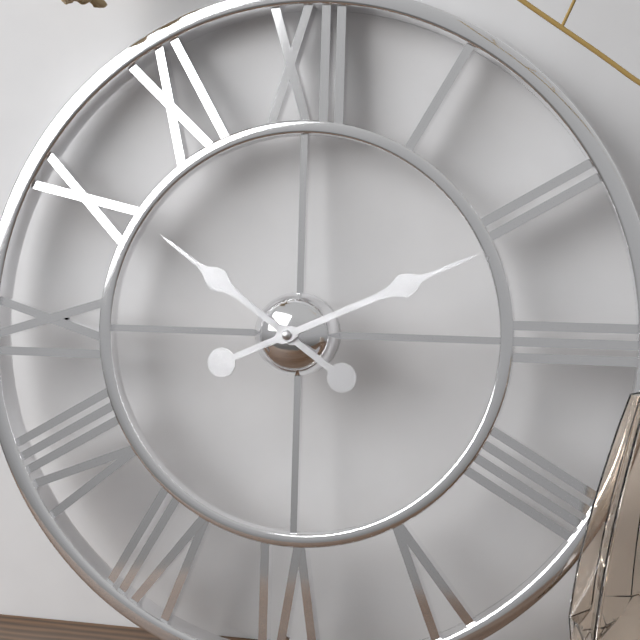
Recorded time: 10:11
